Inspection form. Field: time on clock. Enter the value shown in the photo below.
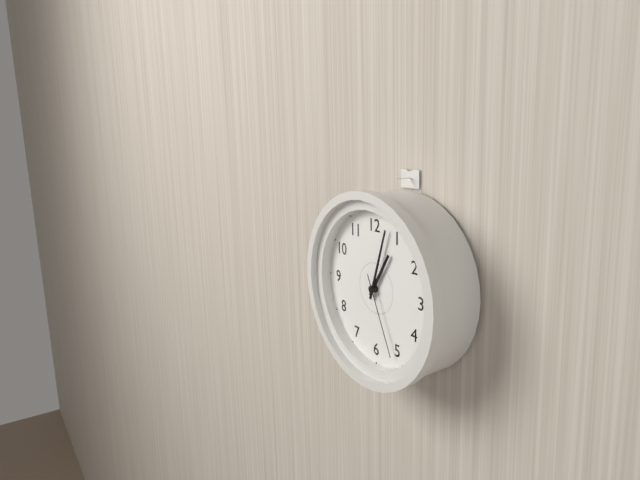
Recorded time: 1:03:26
